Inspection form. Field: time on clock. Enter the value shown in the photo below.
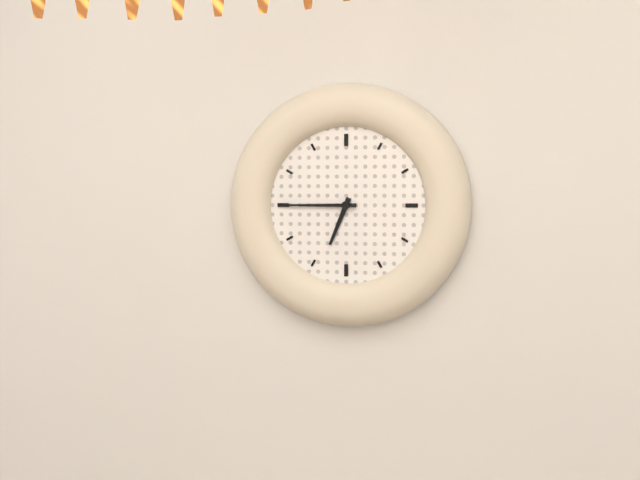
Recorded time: 6:45
